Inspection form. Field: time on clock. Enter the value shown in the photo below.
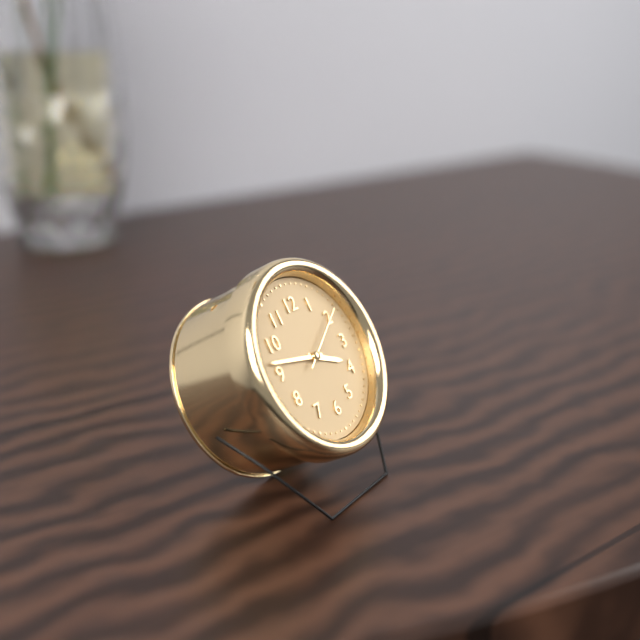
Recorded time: 3:47:10
